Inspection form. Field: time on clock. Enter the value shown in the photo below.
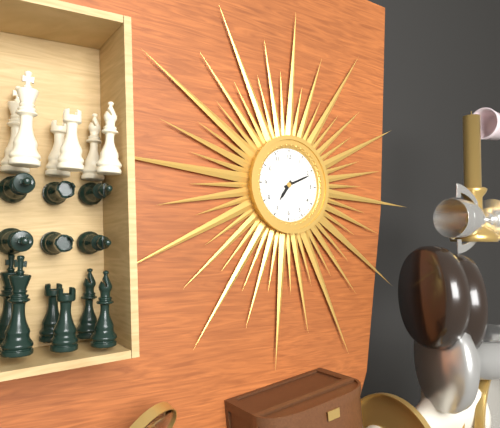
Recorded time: 7:11
